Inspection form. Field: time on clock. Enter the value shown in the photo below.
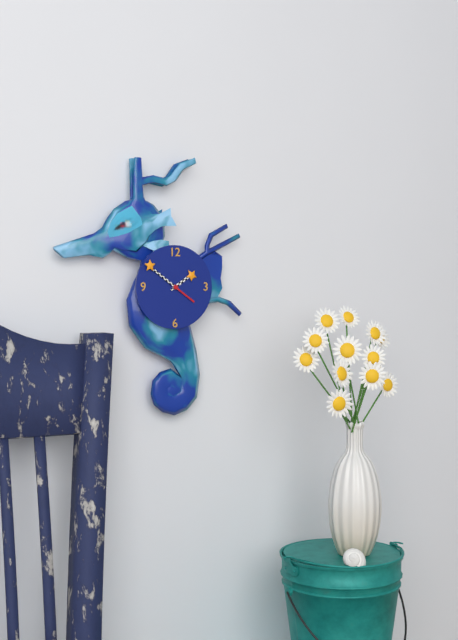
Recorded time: 1:51
